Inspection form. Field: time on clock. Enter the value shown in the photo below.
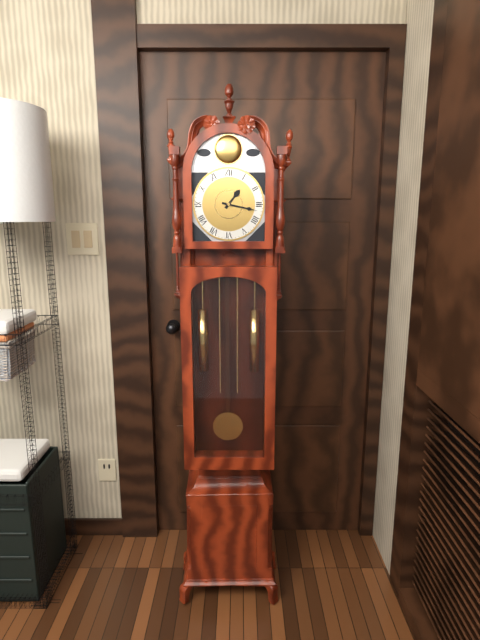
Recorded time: 1:17
